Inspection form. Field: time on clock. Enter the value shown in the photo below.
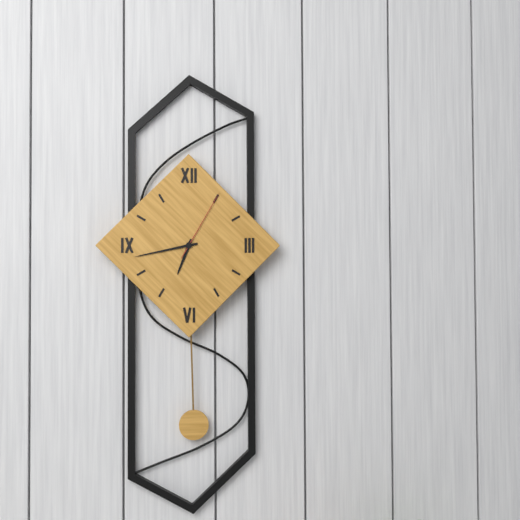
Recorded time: 6:43:05
